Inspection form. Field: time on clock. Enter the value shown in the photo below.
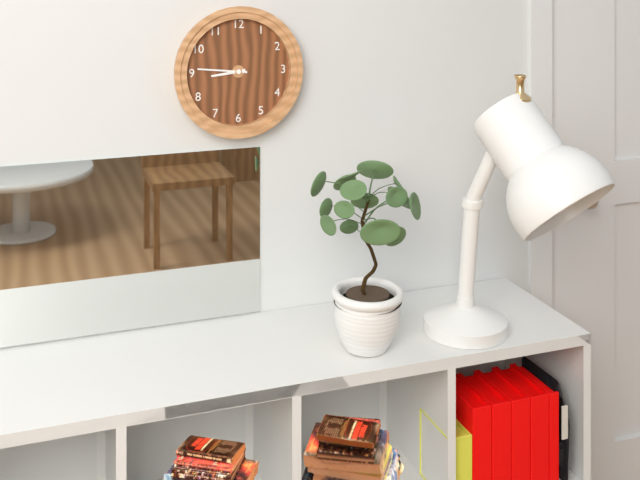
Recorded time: 8:46
